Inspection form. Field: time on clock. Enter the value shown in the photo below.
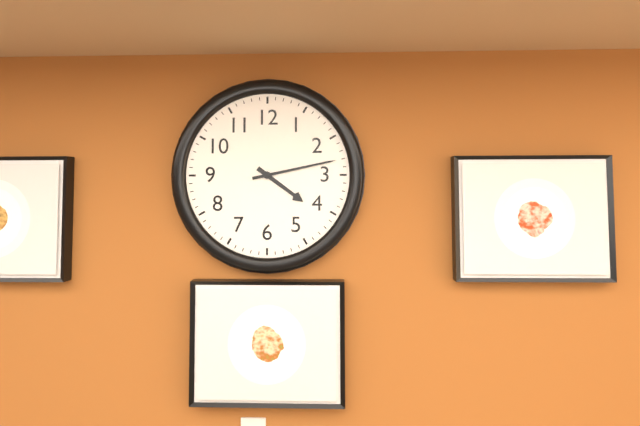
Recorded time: 4:13
